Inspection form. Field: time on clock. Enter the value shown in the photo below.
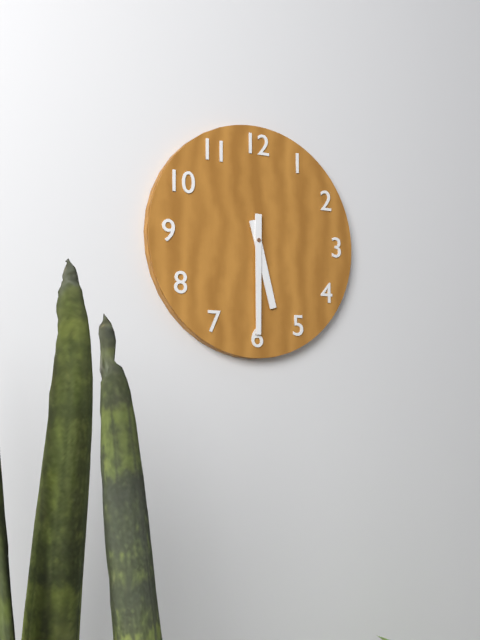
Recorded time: 5:30
